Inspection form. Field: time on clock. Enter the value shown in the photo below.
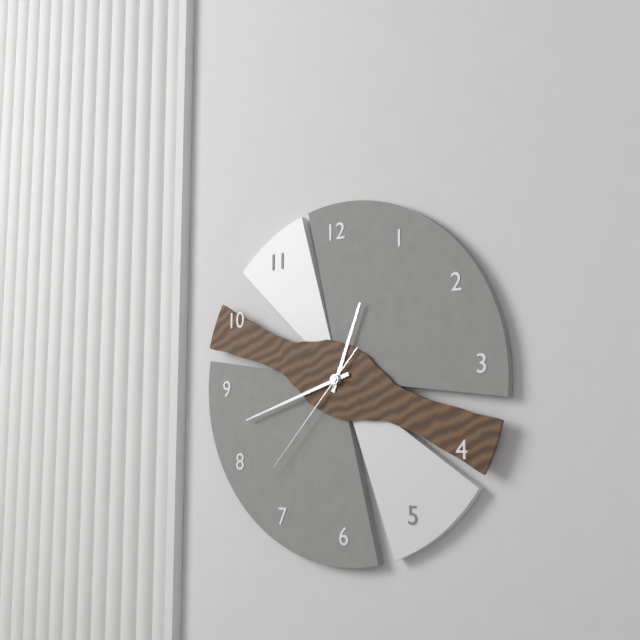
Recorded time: 12:42:37
